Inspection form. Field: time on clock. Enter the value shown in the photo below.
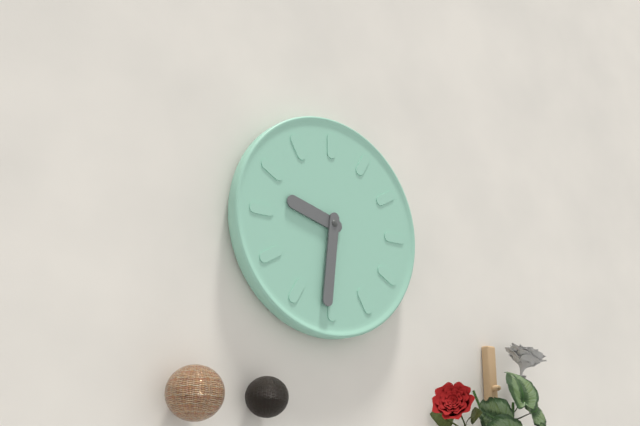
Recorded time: 9:31
